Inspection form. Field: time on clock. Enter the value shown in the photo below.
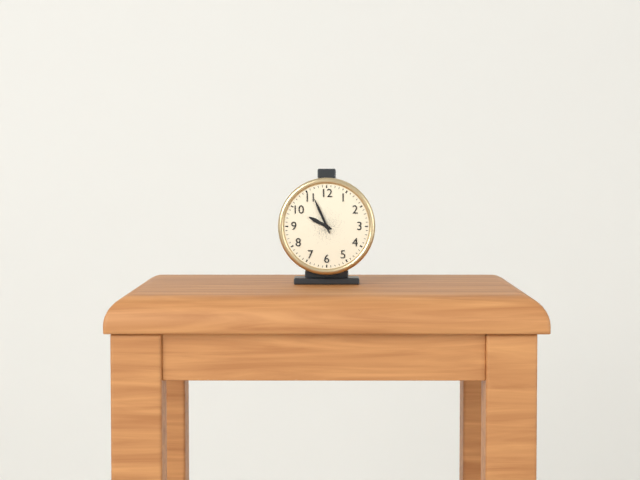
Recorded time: 9:56
